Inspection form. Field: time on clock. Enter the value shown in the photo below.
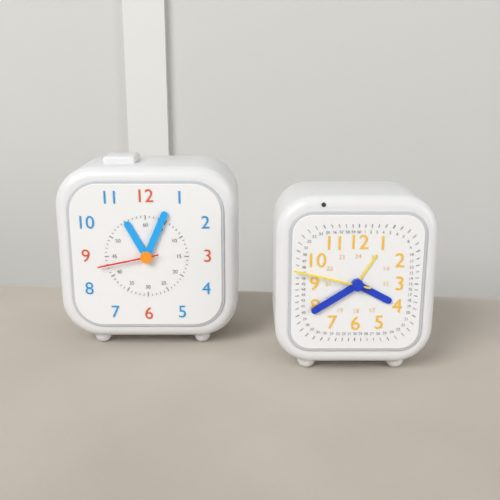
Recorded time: 11:04:43
